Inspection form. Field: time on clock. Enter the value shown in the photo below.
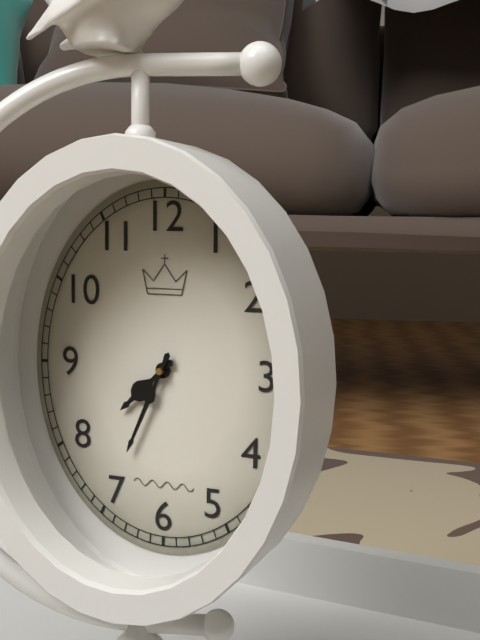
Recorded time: 7:34
